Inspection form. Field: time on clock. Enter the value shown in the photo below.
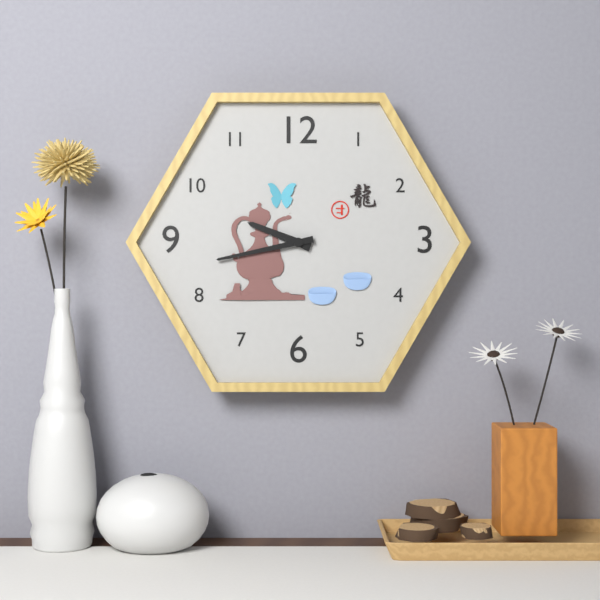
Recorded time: 9:43
